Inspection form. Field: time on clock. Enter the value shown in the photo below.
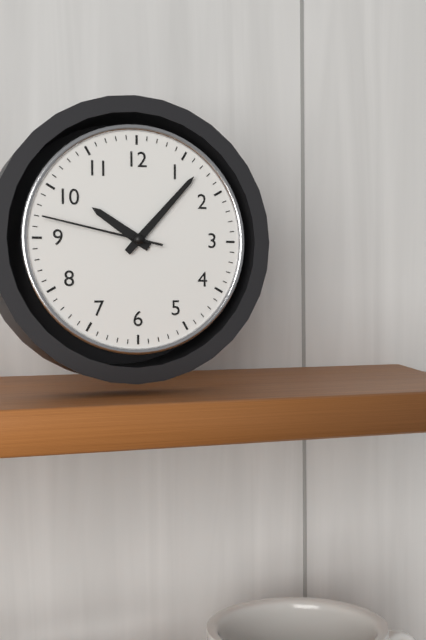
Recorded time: 10:07:47
